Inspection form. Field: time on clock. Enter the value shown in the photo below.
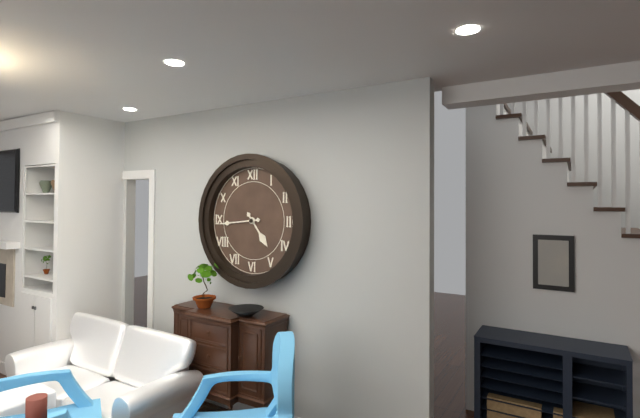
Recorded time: 4:44
